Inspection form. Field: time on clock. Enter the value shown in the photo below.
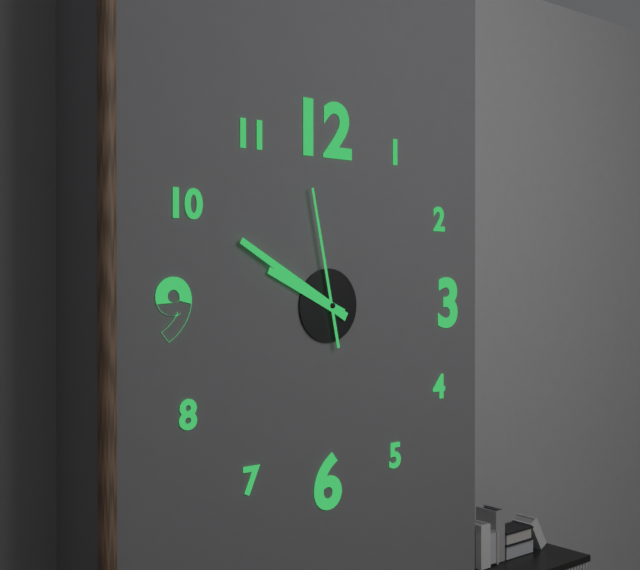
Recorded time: 9:50:58
